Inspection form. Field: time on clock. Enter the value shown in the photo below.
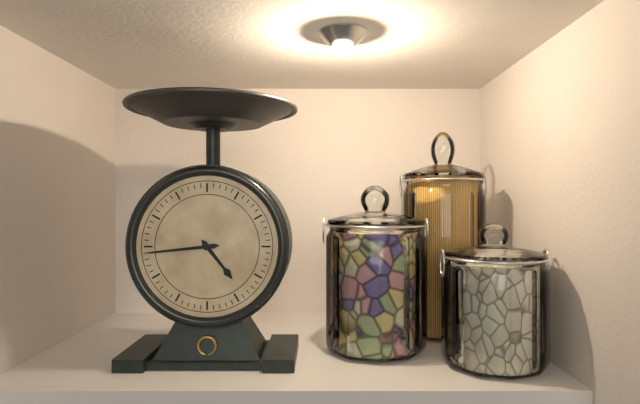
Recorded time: 4:44
